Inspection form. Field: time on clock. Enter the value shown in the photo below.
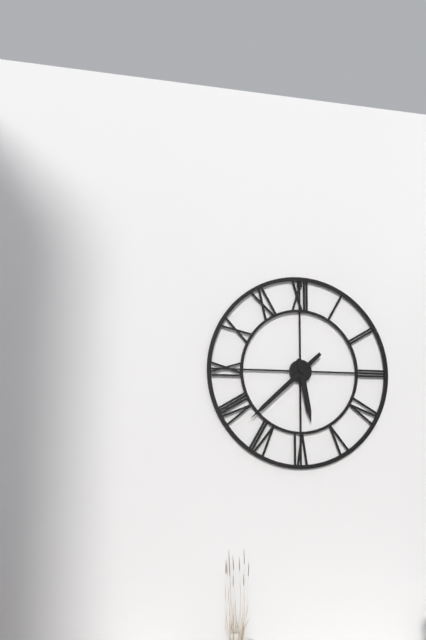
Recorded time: 5:38
